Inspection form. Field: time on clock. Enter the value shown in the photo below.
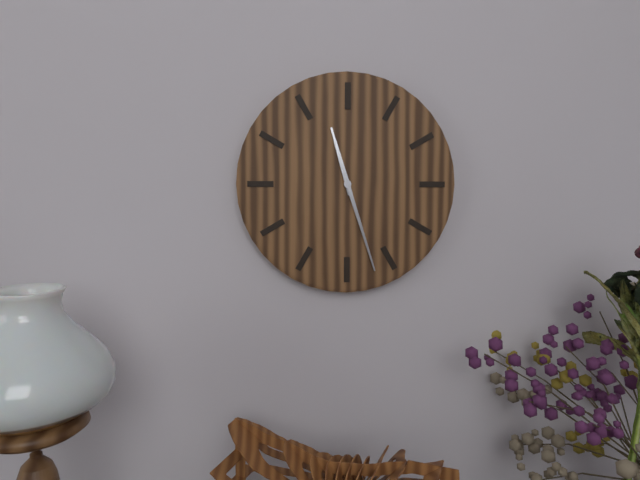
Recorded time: 11:27
